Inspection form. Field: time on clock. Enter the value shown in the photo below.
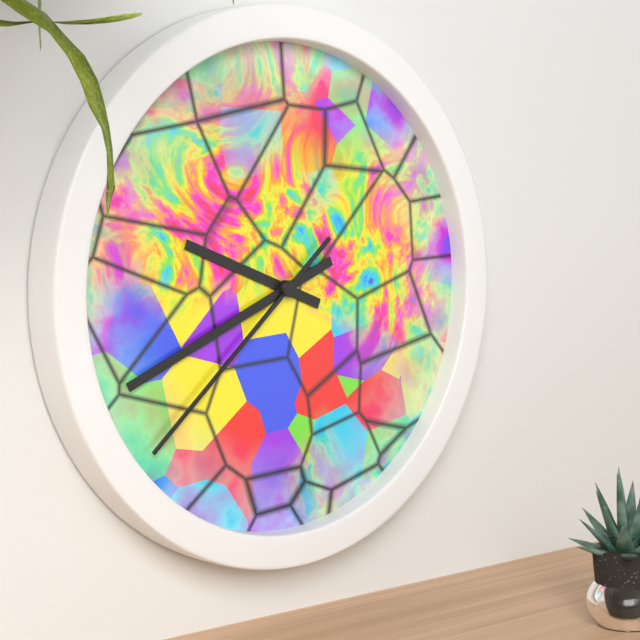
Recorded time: 9:41:38
